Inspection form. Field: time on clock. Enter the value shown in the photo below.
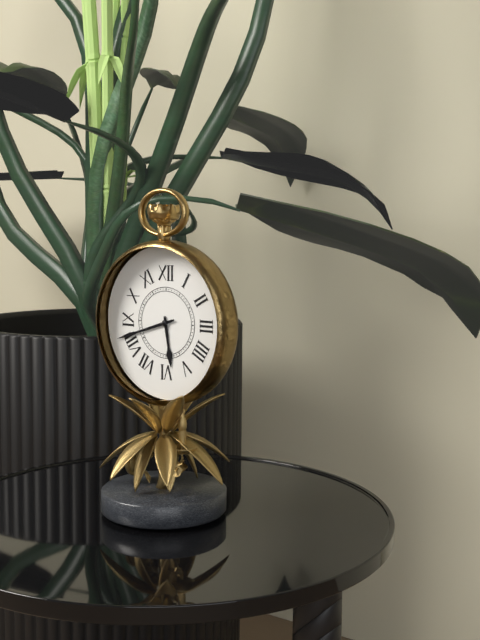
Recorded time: 5:42
